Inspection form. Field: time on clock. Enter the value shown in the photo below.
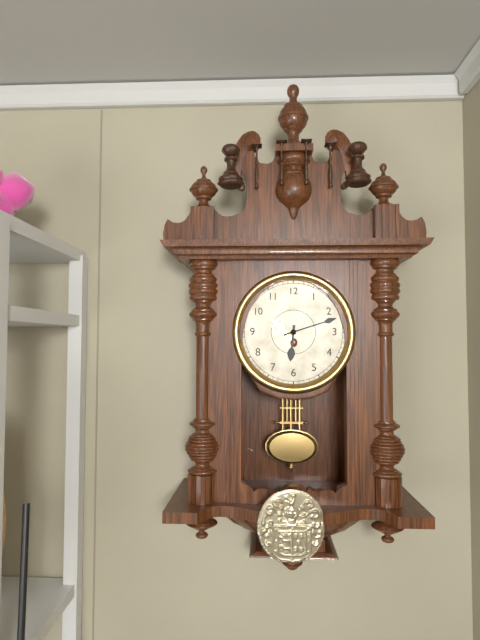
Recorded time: 6:12
